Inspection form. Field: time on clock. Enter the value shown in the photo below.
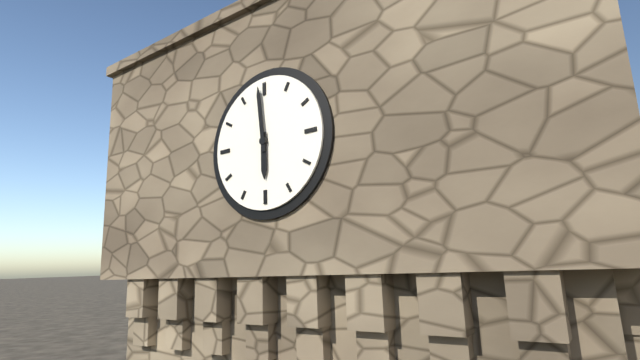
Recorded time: 5:59
